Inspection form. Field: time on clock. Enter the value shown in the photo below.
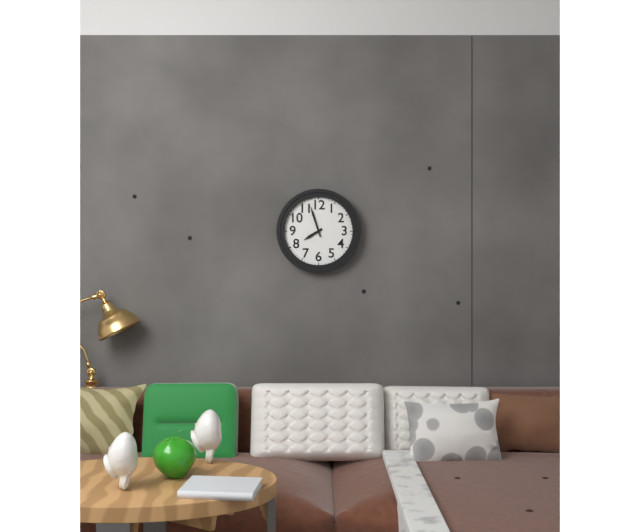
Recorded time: 7:57
